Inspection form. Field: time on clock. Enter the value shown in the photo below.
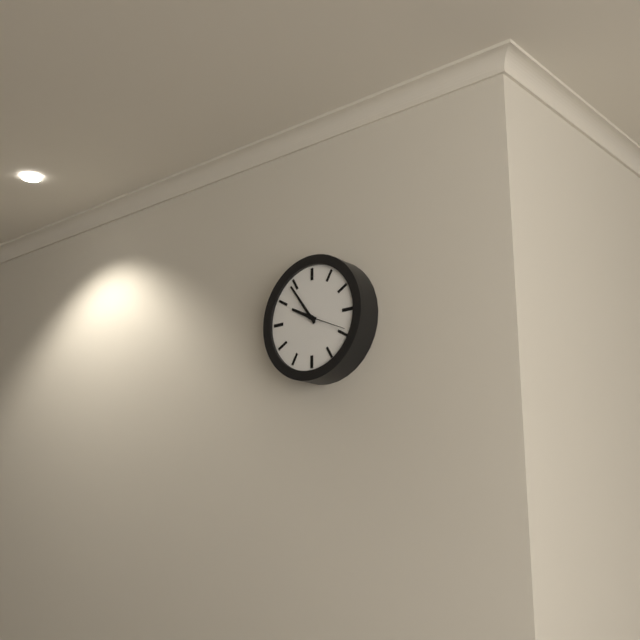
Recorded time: 9:54
